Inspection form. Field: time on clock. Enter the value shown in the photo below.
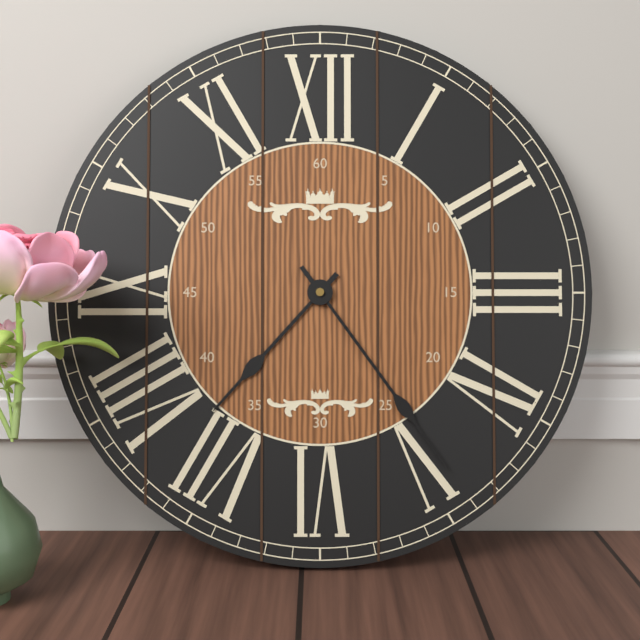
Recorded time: 7:24
